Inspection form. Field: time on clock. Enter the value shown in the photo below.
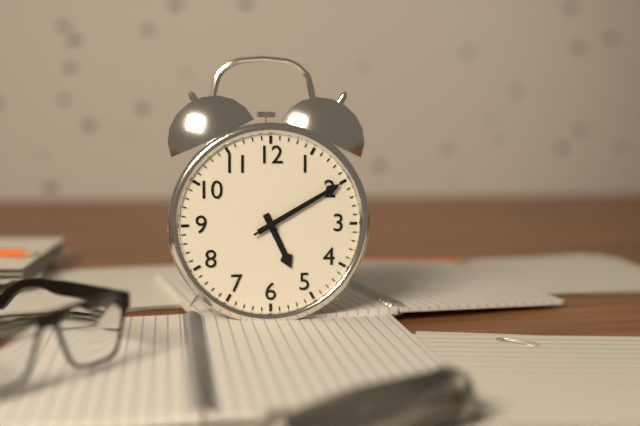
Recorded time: 5:10:10
